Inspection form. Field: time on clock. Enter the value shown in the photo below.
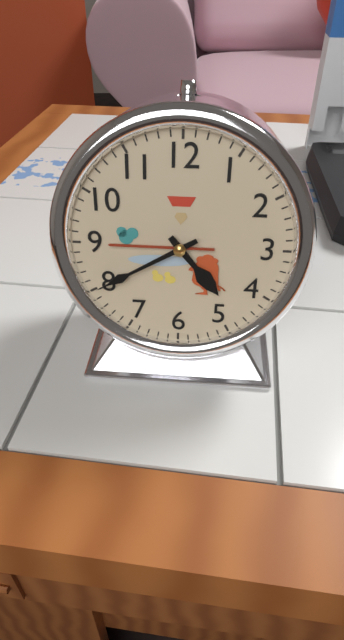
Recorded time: 4:40
